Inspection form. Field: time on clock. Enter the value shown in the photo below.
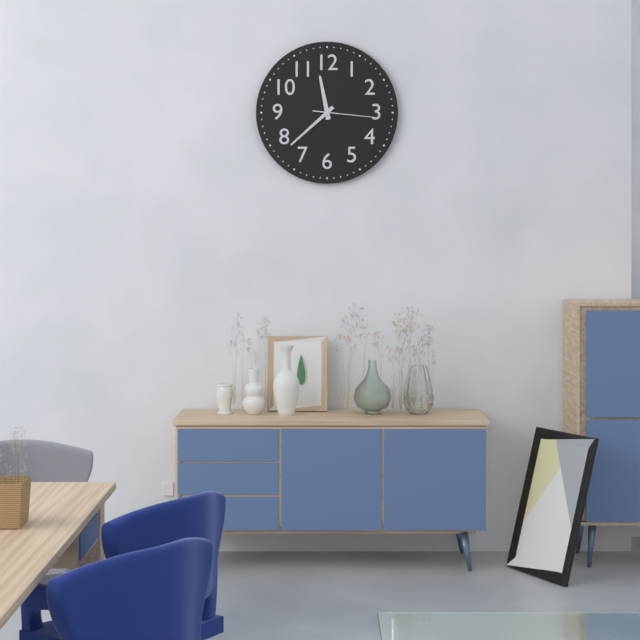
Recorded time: 11:38:16
